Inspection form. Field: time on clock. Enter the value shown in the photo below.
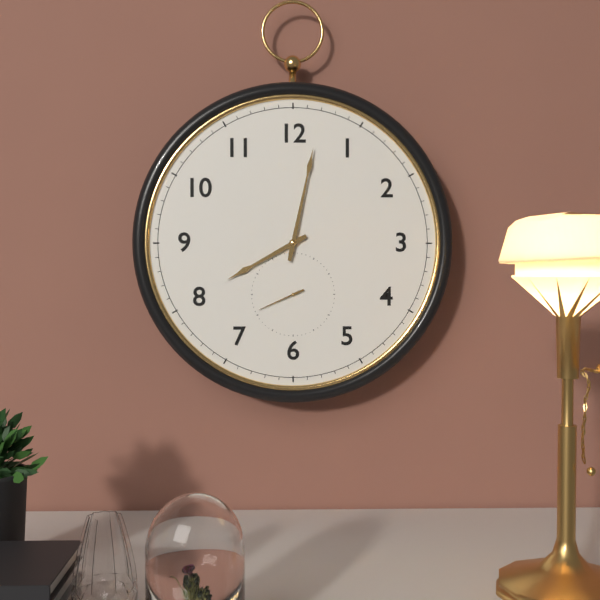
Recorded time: 8:02
